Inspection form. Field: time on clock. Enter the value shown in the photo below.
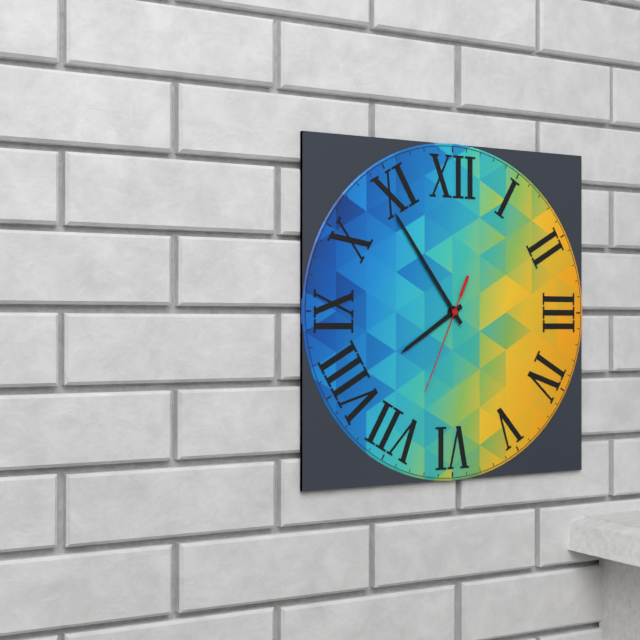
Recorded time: 7:54:34
